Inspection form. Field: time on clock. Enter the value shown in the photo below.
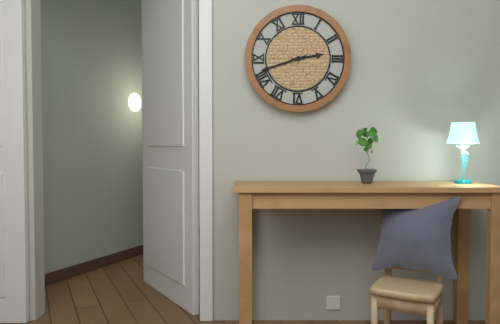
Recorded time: 2:42
